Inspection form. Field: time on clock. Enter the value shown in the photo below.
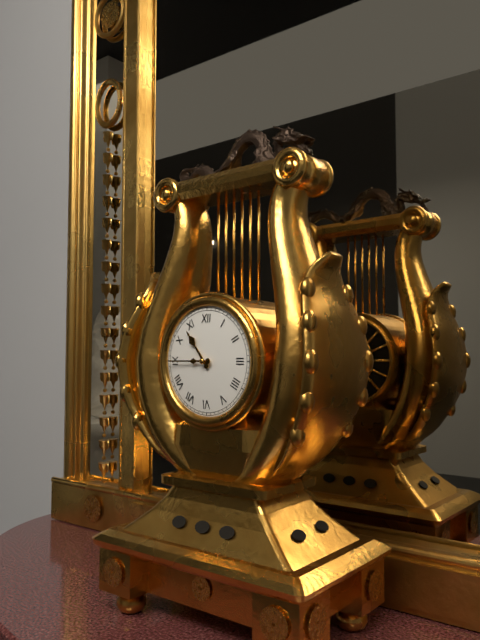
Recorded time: 10:45
